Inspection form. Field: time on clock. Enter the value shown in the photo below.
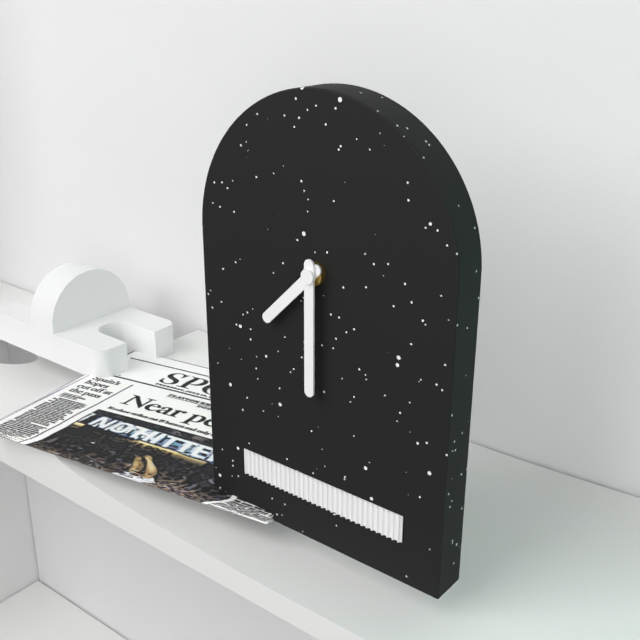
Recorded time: 7:30
